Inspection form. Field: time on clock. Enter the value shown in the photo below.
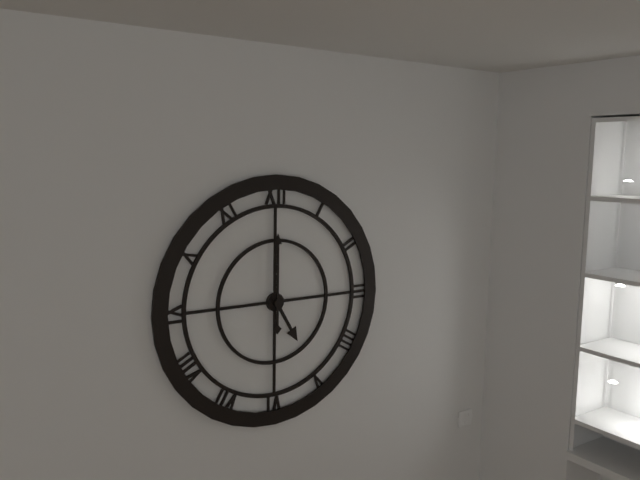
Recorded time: 5:00
